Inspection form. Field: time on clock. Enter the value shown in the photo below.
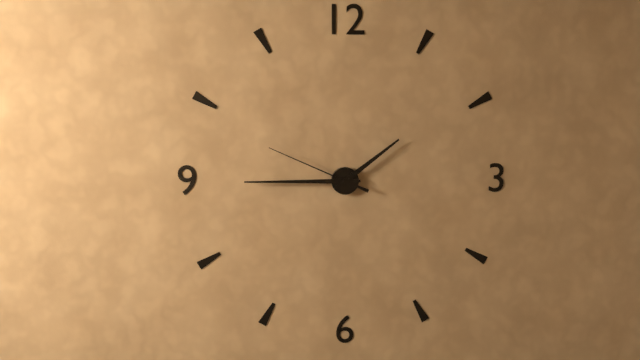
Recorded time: 1:45:49
